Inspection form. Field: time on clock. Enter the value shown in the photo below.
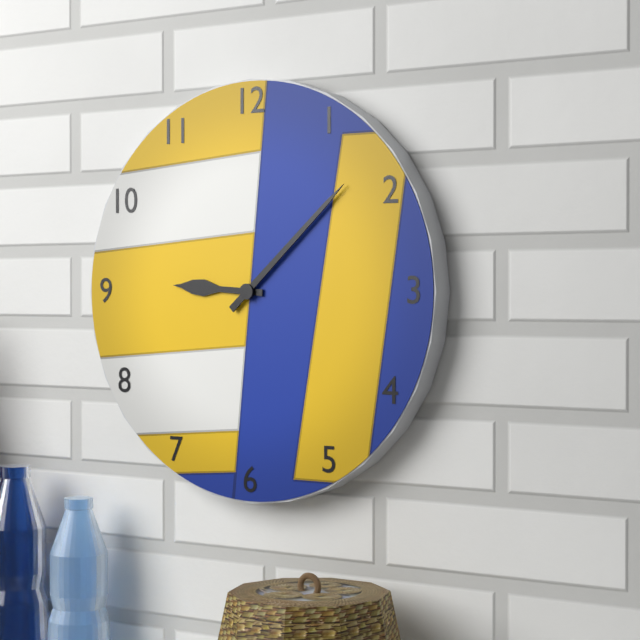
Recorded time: 9:08
